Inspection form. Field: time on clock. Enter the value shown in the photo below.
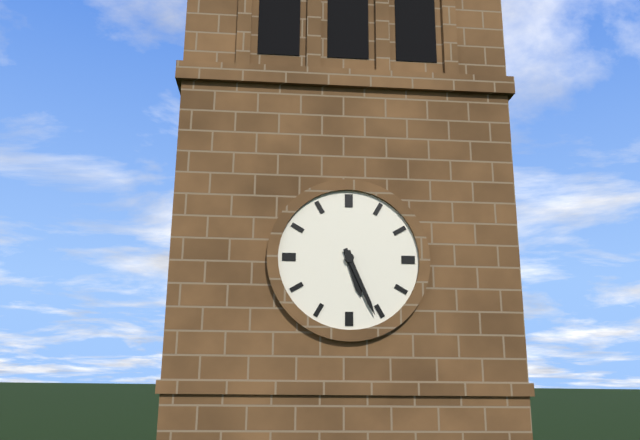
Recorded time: 5:26
